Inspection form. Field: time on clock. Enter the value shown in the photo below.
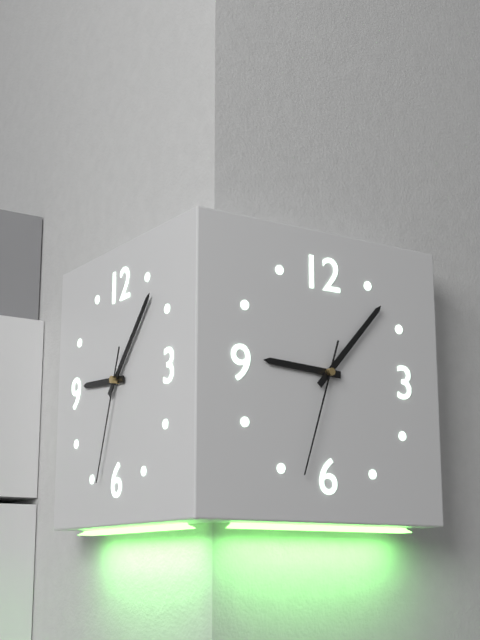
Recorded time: 9:07:33
